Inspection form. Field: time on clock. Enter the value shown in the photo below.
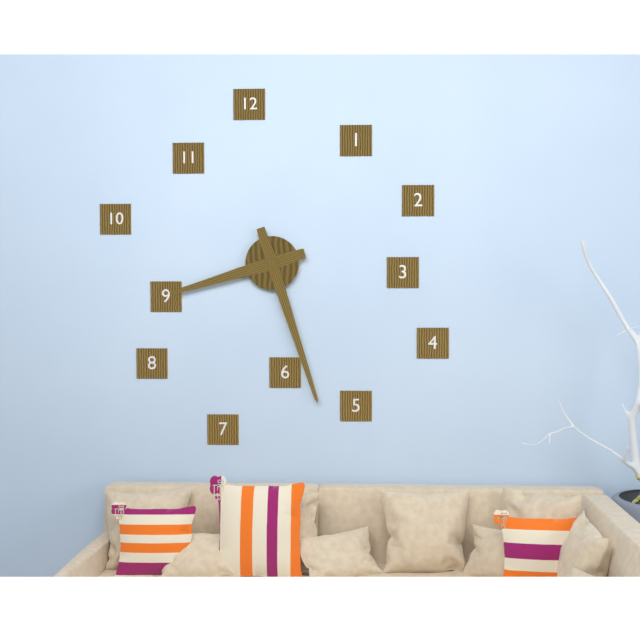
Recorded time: 8:27
